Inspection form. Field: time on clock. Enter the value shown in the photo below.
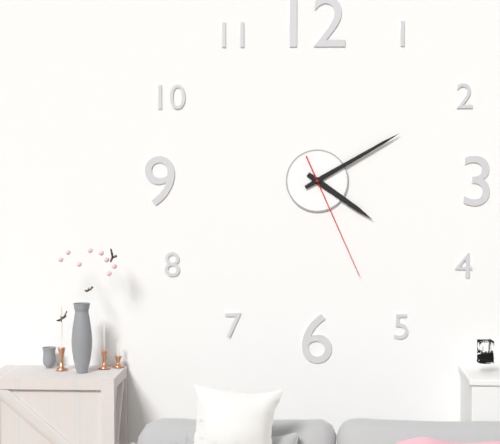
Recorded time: 4:10:26
